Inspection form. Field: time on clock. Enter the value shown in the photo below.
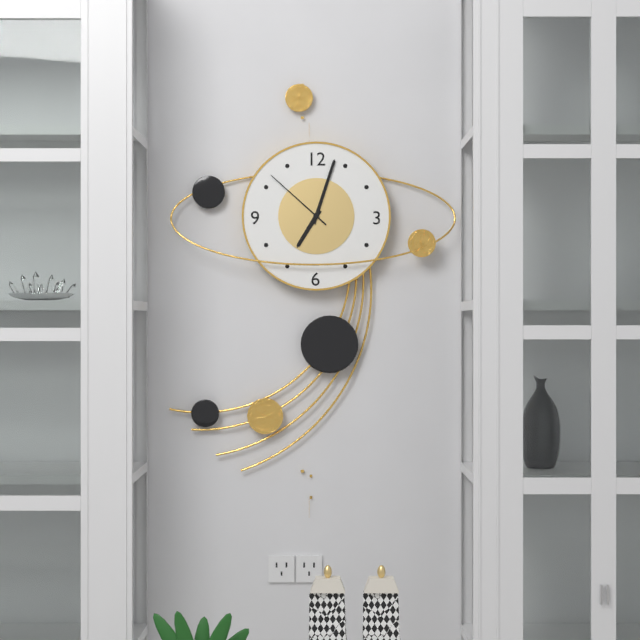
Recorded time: 7:03:52
